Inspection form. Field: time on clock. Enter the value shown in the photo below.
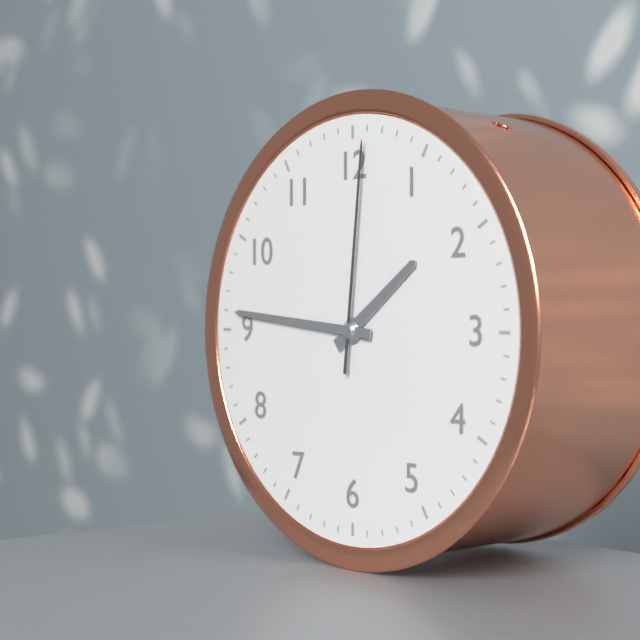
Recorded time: 1:46:01
